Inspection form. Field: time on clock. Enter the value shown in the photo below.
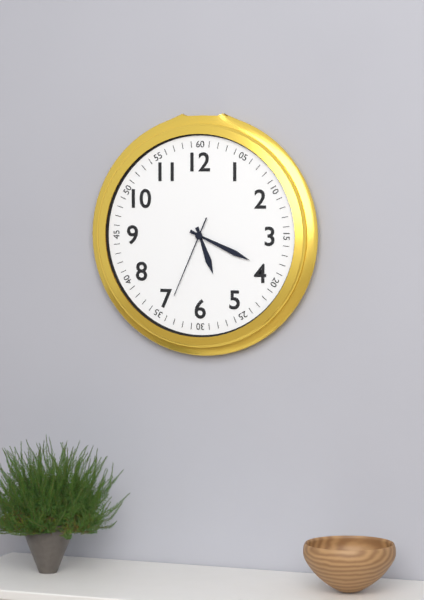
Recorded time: 5:19:34
